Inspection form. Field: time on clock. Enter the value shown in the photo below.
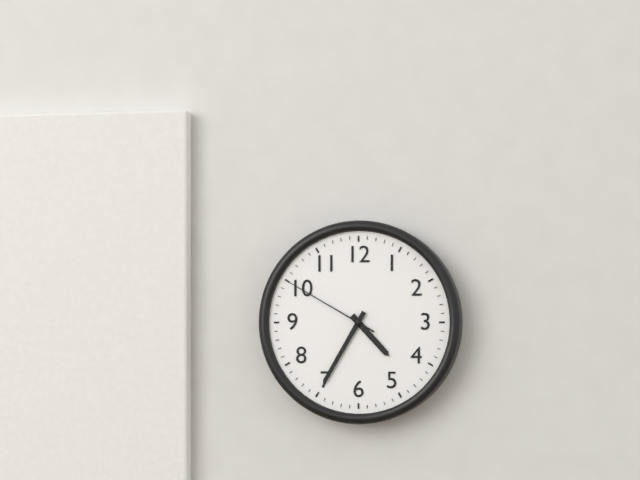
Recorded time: 4:35:50
